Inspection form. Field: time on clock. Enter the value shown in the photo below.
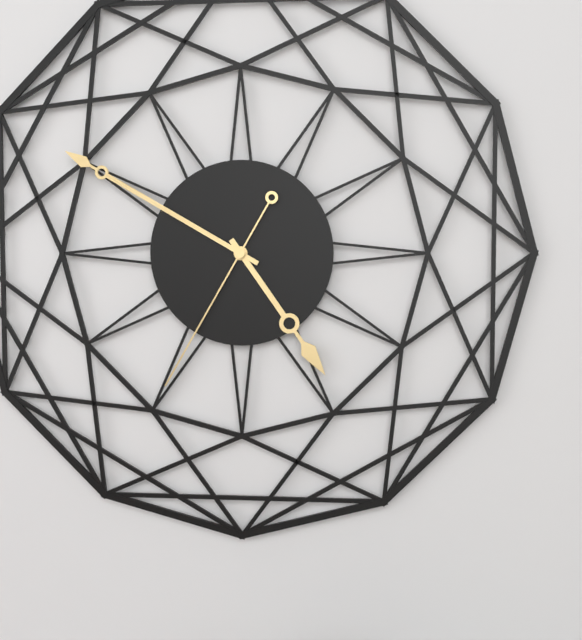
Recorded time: 4:50:35
